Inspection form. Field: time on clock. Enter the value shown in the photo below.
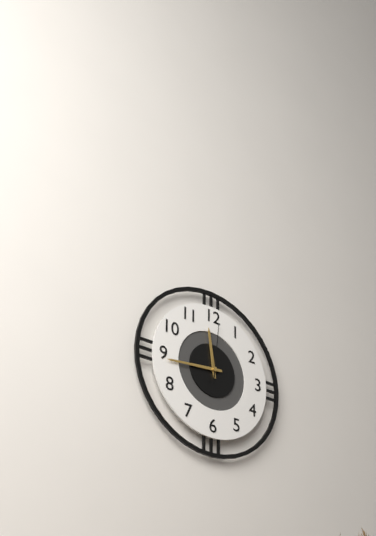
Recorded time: 11:44:01
